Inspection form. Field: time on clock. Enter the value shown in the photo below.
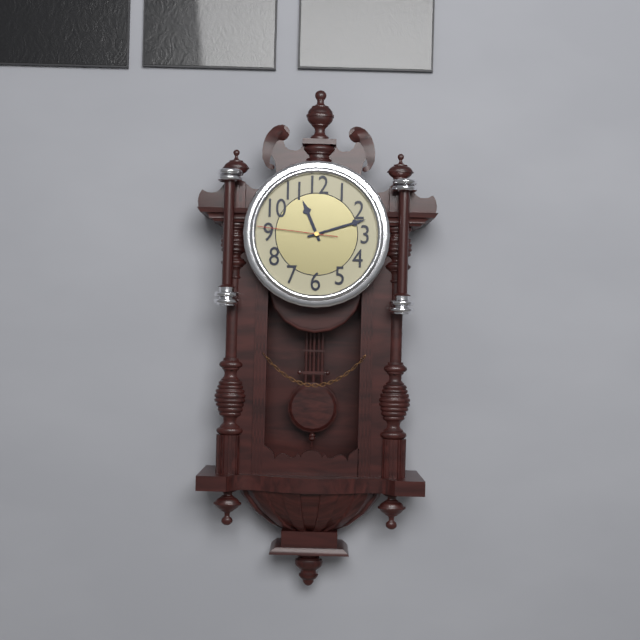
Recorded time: 11:12:46
